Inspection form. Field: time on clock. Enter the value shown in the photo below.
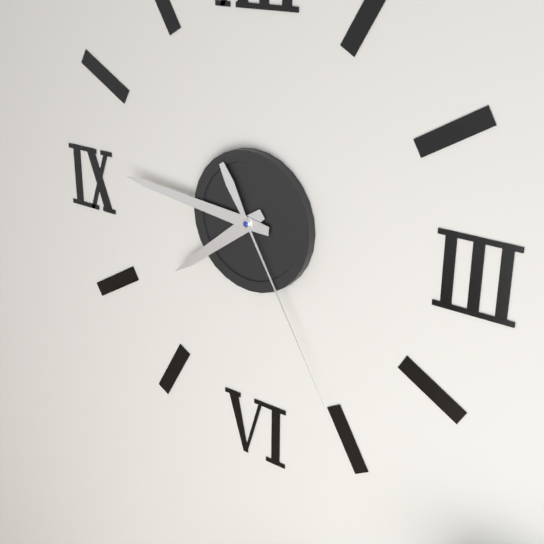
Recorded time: 7:46:25
